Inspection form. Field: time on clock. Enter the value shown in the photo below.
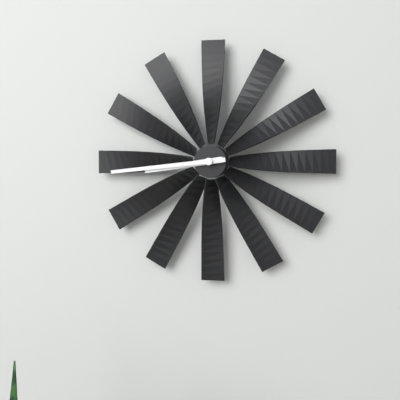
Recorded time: 8:44
